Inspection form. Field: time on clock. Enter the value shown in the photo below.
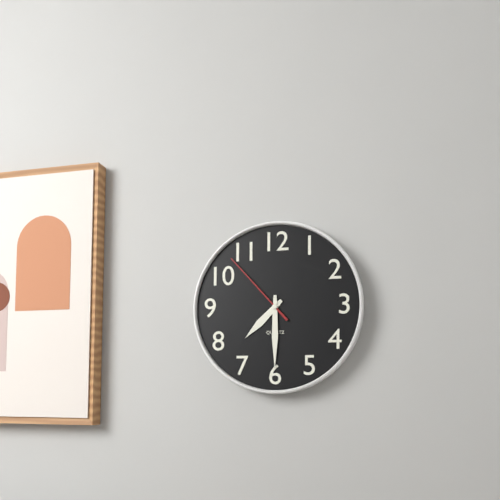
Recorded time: 7:30:53
